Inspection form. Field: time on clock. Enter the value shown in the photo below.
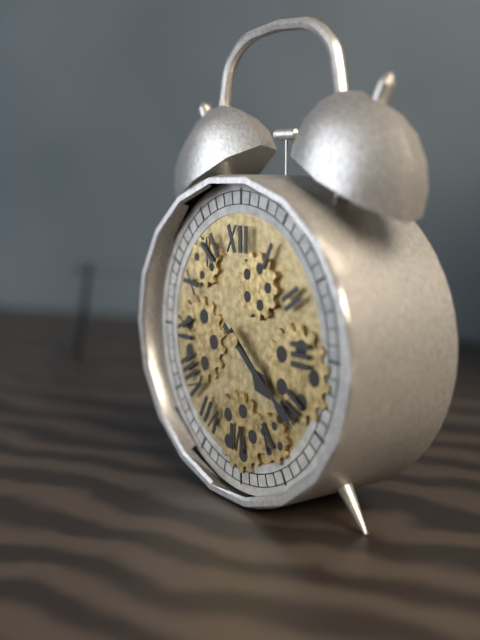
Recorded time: 4:21
